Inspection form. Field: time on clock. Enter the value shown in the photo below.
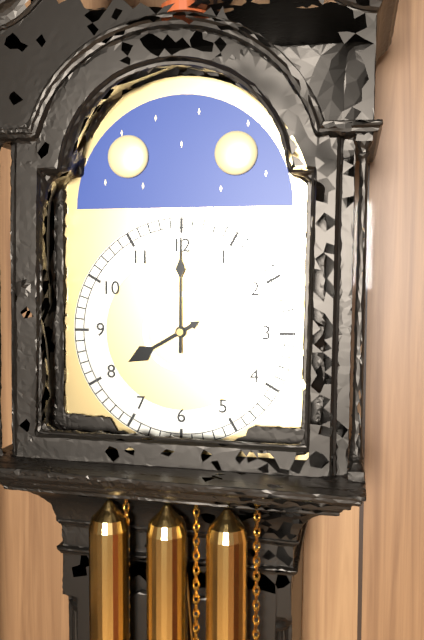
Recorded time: 8:00
